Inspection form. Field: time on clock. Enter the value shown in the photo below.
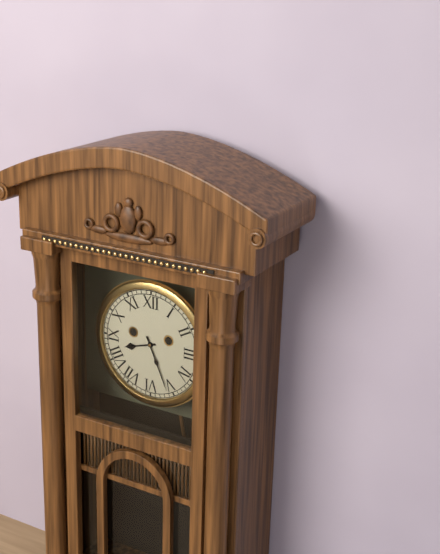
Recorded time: 8:26
